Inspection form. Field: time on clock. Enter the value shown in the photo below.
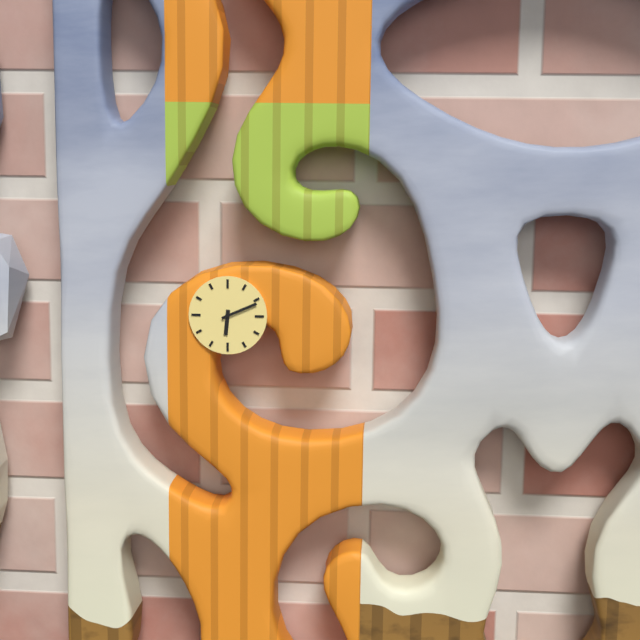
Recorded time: 6:11
